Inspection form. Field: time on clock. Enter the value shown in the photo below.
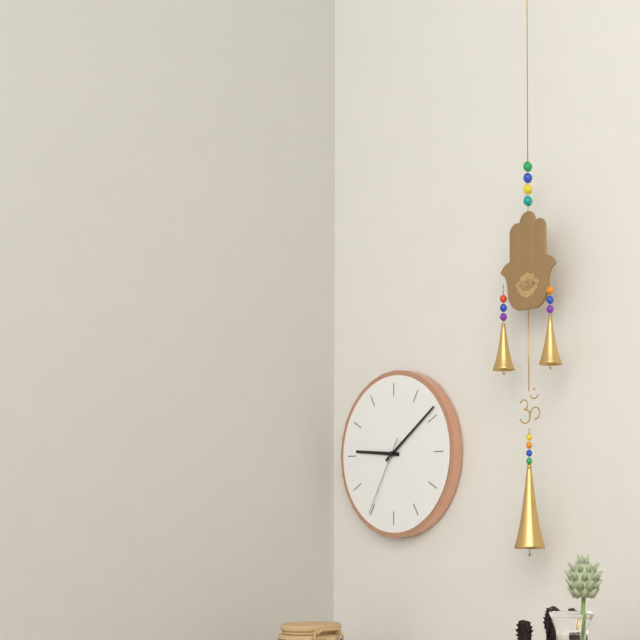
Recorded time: 9:09:35
